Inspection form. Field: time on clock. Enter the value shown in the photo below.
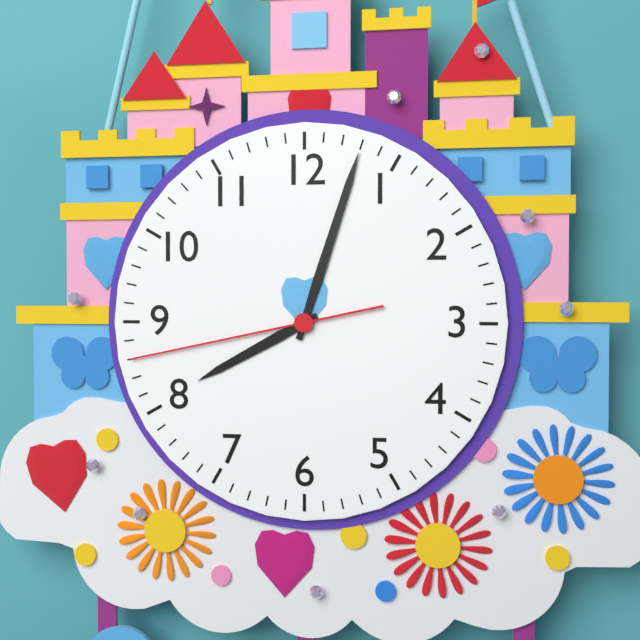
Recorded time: 8:03:43
